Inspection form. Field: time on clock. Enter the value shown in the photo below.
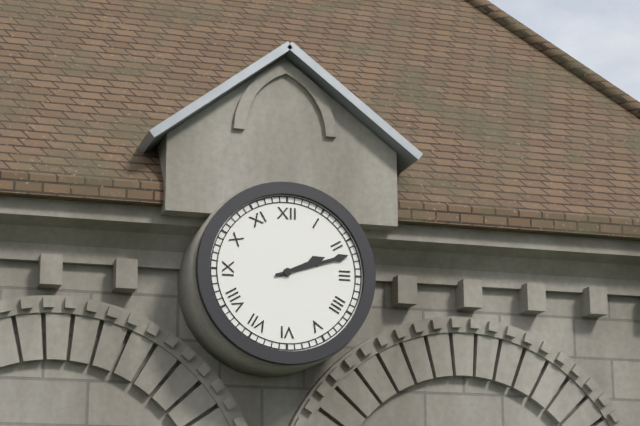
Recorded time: 2:12
